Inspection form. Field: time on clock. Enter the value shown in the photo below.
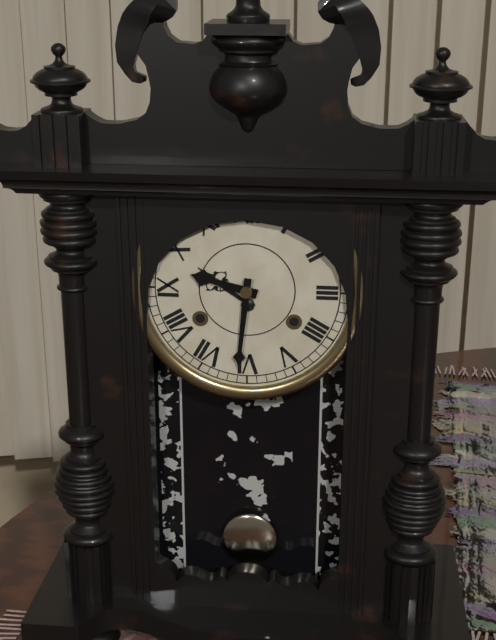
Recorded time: 9:31
